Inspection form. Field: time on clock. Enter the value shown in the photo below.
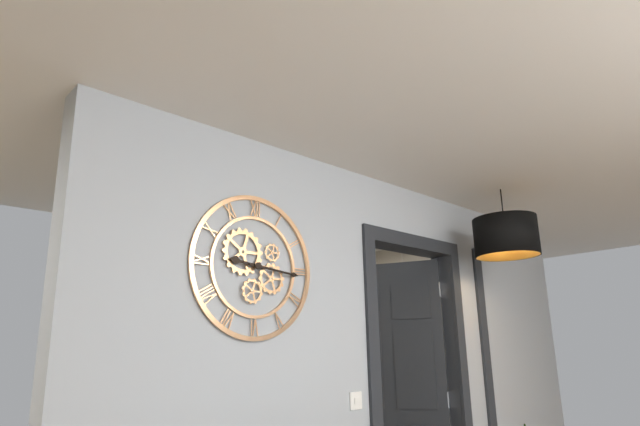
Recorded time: 9:16
